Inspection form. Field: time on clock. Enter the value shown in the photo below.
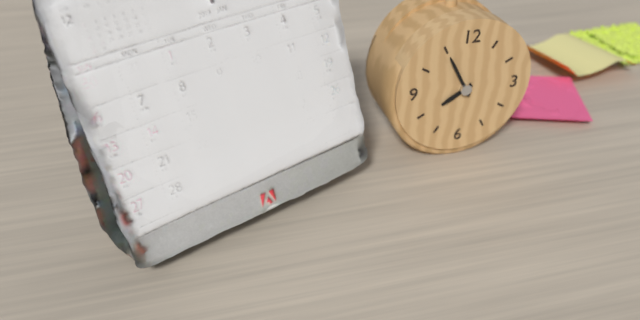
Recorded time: 7:55
